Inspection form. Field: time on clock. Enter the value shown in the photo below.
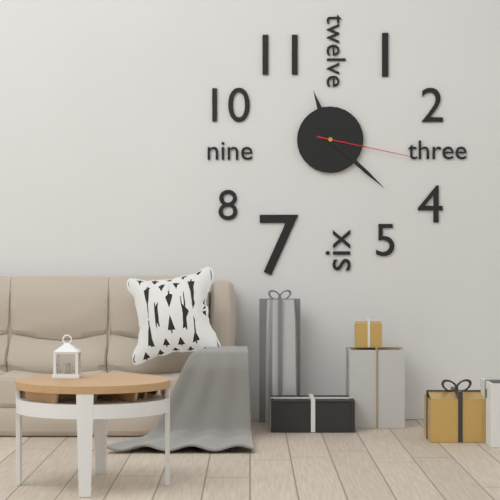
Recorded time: 11:22:17
